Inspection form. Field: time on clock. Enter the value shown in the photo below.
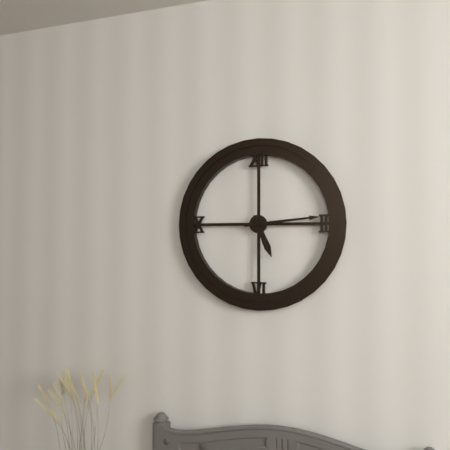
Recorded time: 5:14
